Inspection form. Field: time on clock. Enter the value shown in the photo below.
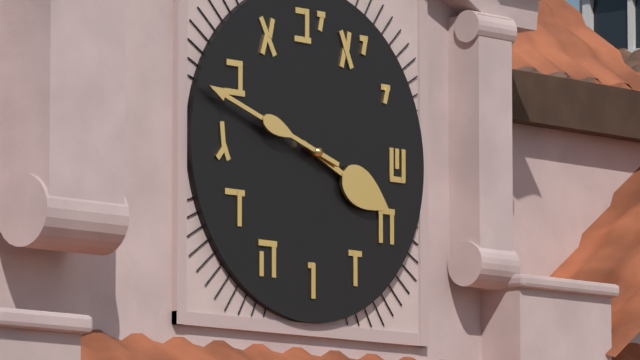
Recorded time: 3:48
